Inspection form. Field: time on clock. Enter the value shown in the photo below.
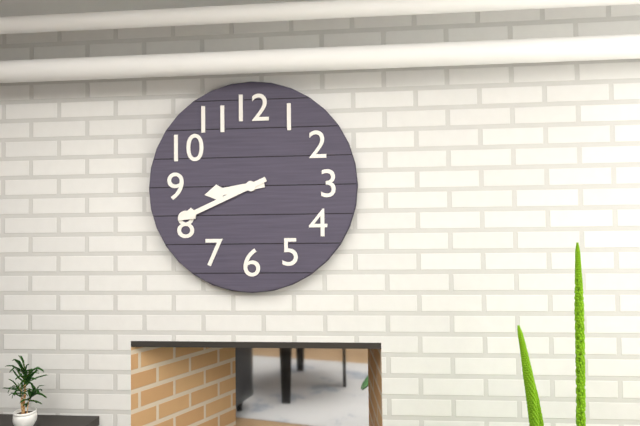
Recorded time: 8:41
